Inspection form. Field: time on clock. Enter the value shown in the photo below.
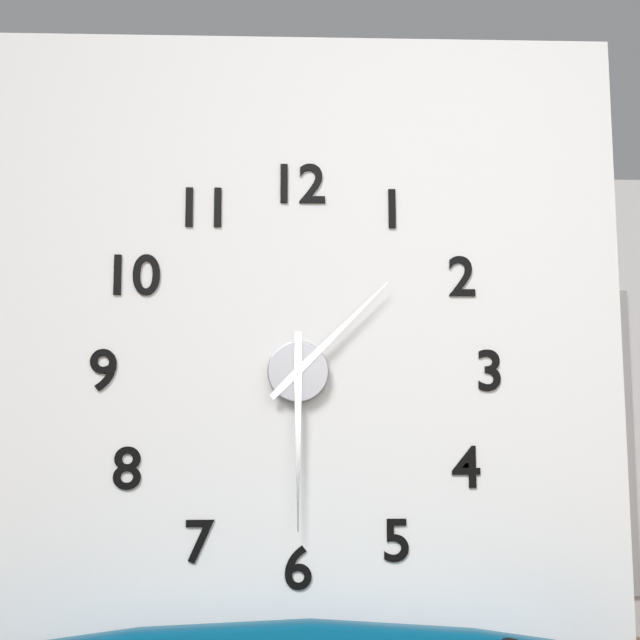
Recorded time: 1:30
